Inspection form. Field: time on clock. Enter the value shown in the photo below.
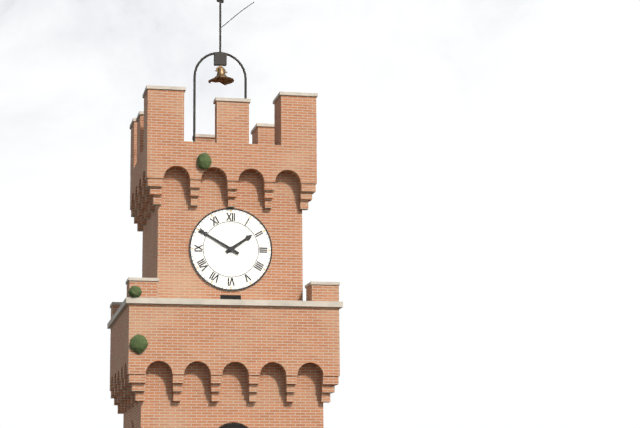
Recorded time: 1:50
